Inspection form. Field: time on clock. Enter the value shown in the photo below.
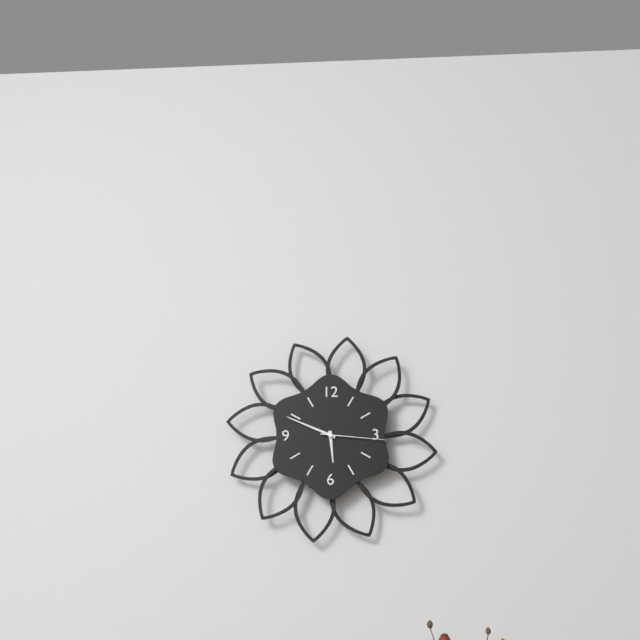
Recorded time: 5:49:16
